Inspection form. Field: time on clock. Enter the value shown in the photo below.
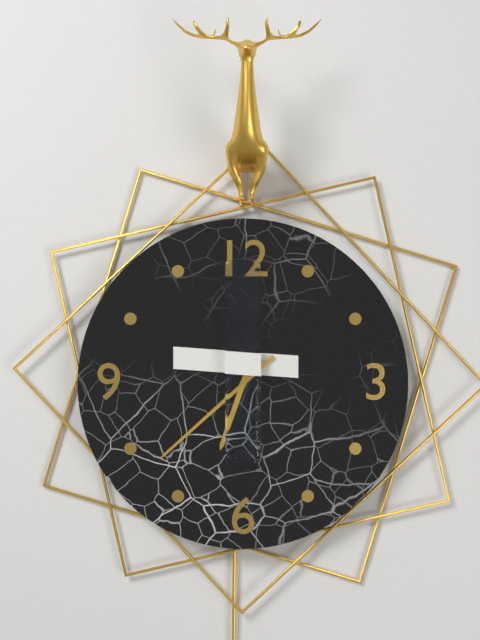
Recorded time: 6:38
